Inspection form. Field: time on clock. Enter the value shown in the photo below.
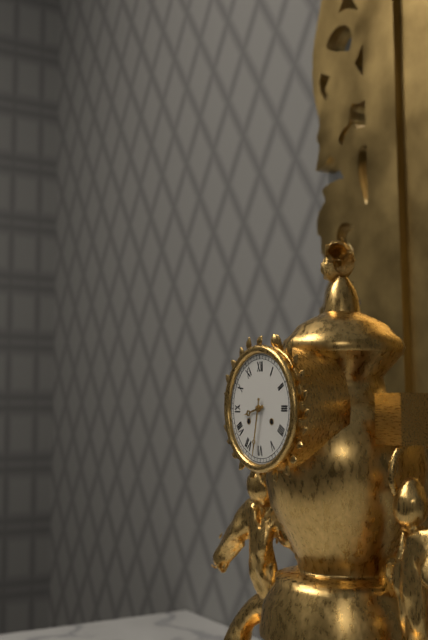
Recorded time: 8:32
